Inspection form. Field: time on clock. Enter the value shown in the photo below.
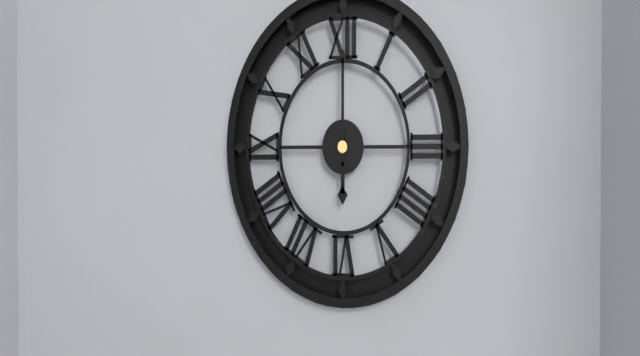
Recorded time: 6:00
